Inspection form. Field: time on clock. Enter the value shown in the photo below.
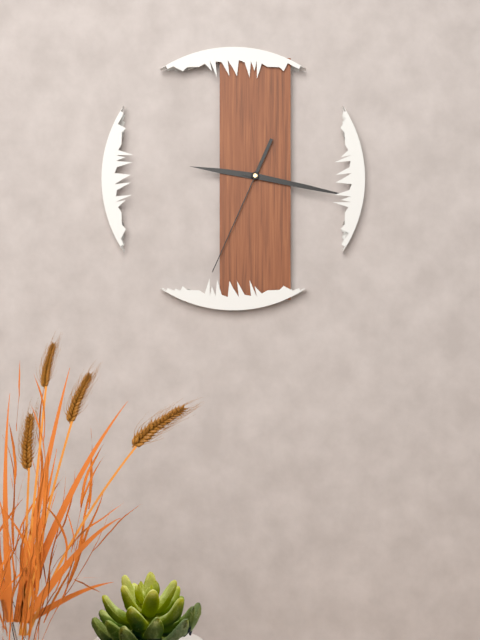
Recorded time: 9:17:34
